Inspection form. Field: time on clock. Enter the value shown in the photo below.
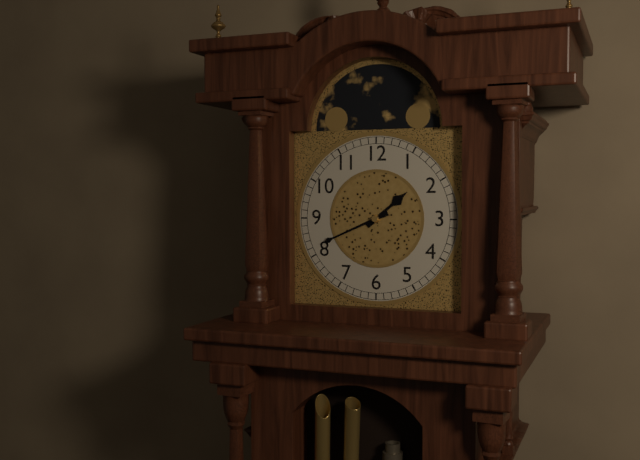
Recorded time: 1:41
